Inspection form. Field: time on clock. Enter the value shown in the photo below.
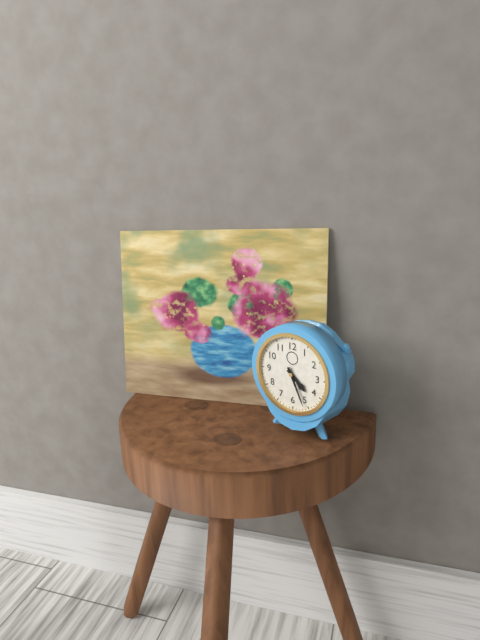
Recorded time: 4:26
